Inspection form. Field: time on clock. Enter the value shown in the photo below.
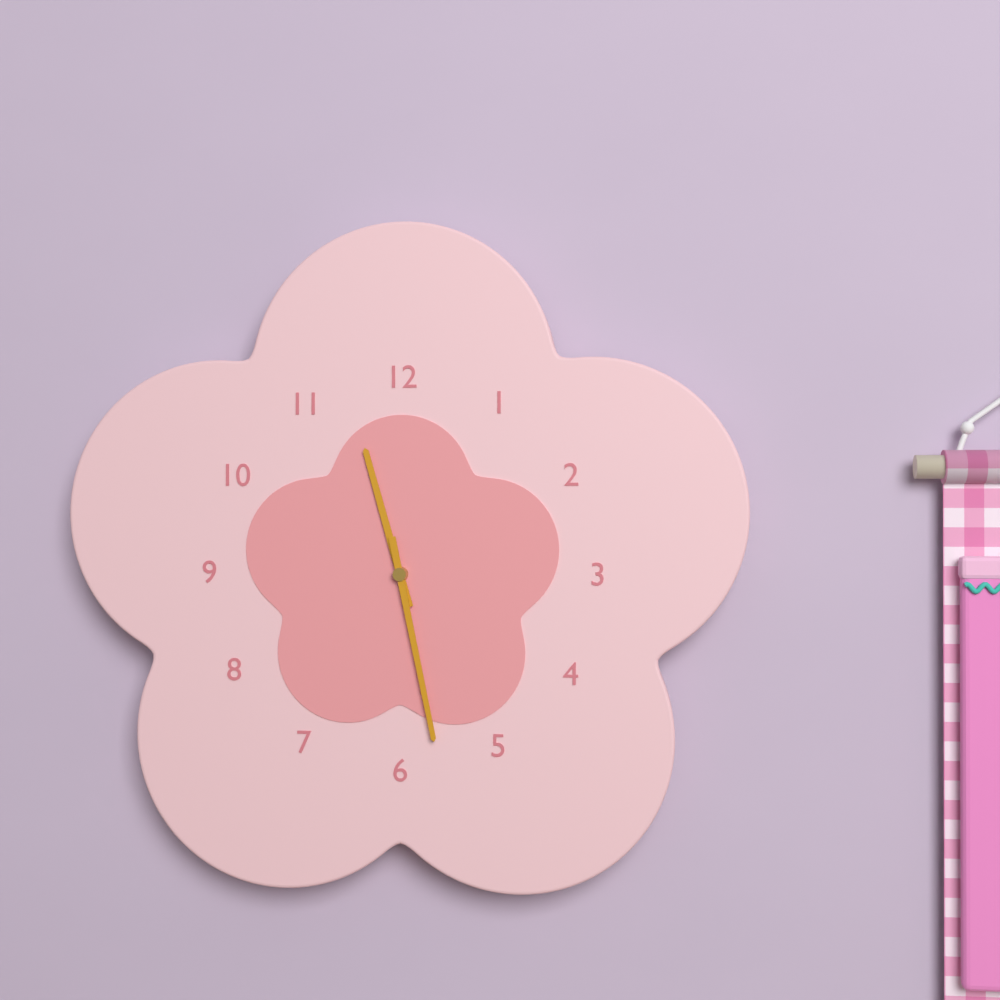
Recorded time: 11:28
